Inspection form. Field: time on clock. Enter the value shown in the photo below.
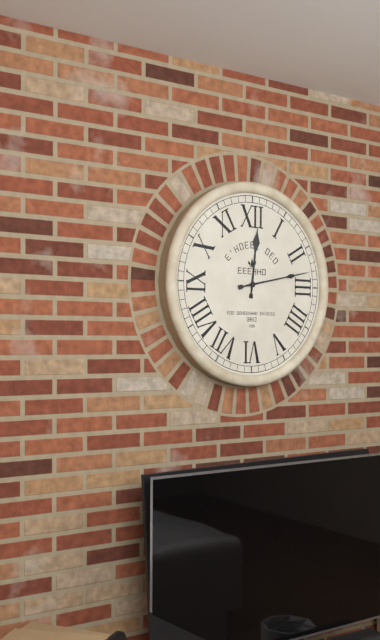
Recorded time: 12:13
